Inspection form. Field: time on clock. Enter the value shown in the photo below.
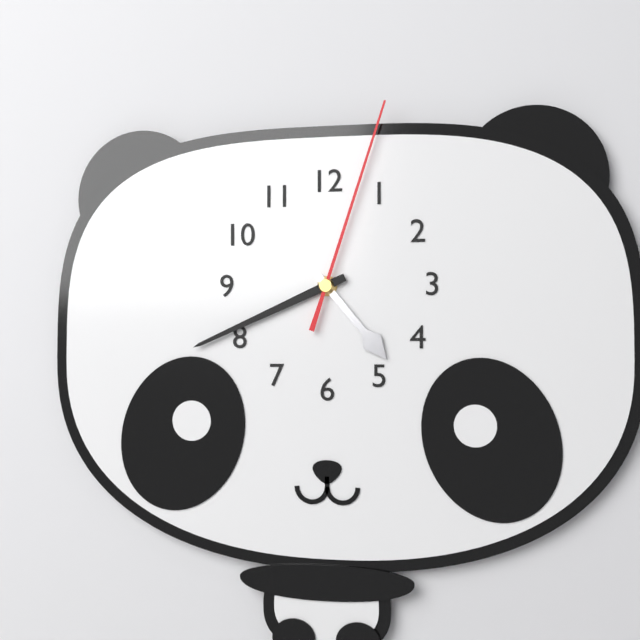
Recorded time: 4:41:03
